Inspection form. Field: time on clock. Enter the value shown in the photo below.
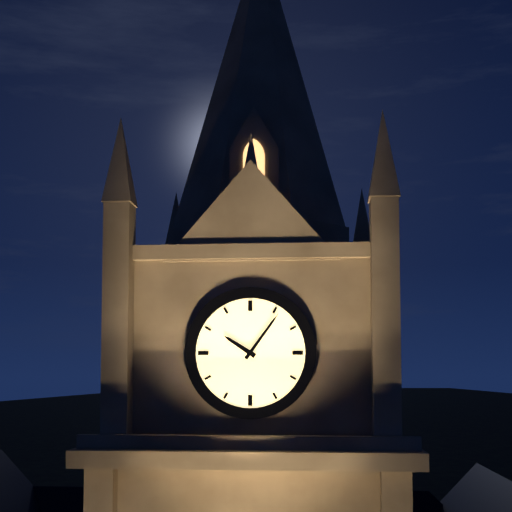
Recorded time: 10:06
